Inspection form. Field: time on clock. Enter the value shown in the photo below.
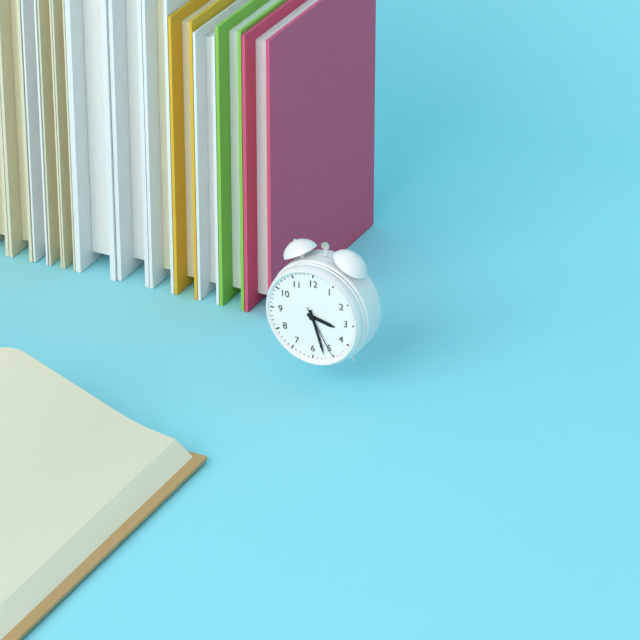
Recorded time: 3:27:25
